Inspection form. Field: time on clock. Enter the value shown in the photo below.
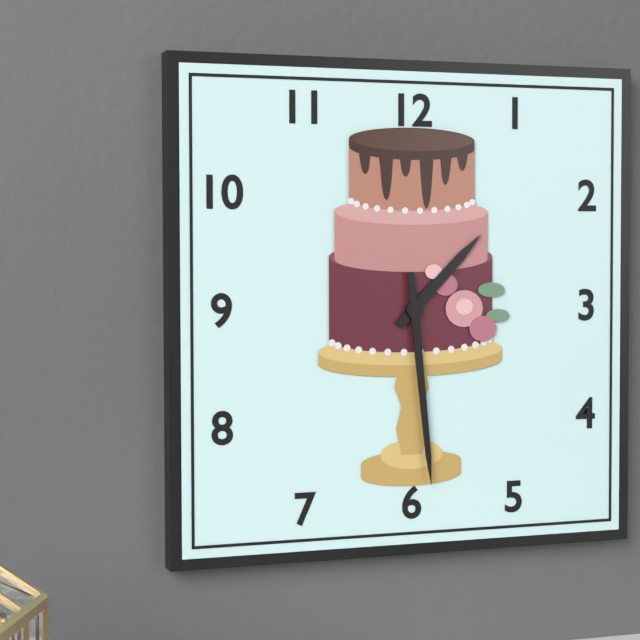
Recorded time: 1:29
